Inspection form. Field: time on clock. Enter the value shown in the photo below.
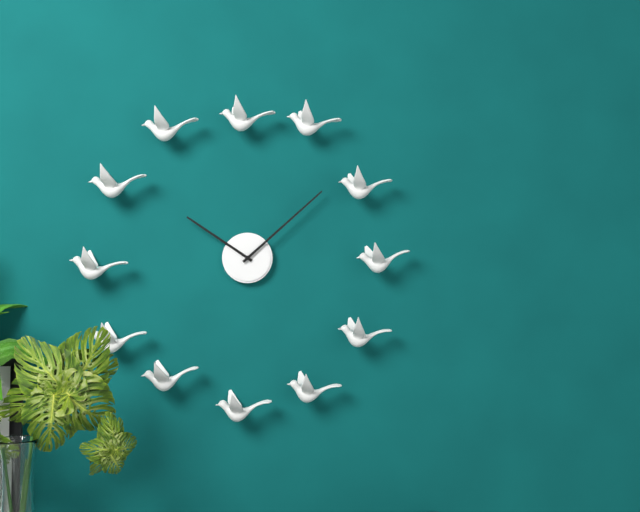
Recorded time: 10:08
